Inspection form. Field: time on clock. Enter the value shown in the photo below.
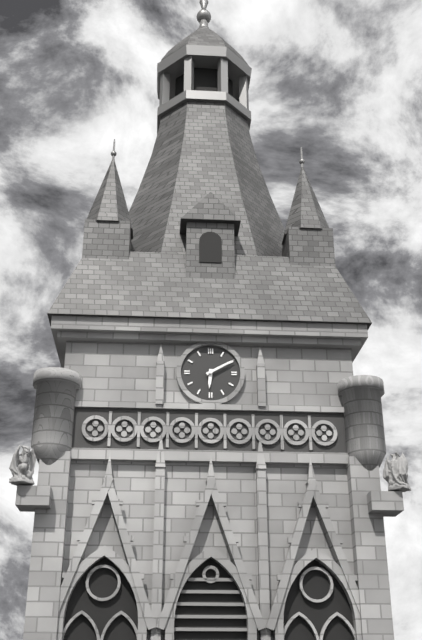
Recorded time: 6:10
